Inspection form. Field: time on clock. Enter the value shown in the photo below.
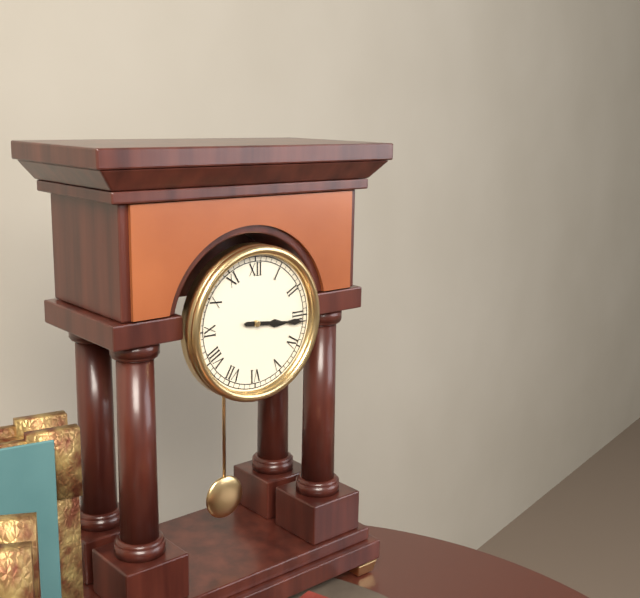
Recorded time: 3:16
